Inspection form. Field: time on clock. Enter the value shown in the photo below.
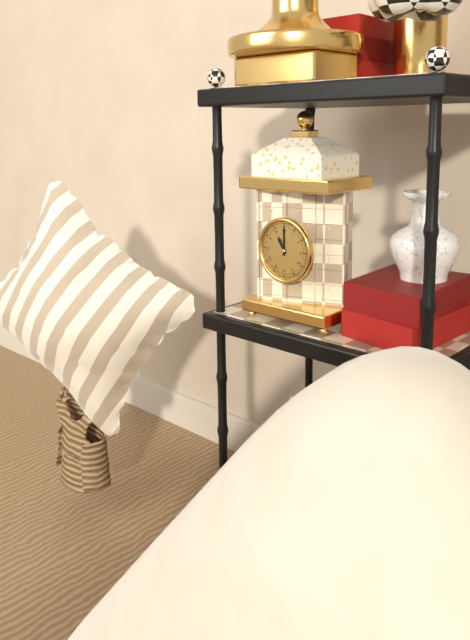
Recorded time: 11:00
